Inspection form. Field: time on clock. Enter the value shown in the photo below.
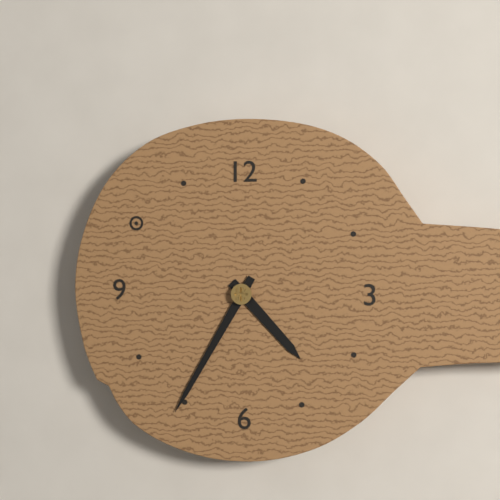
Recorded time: 4:35
